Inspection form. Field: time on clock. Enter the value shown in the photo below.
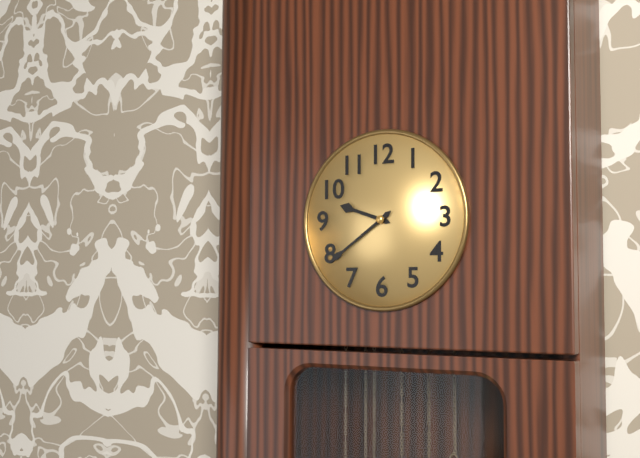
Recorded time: 9:39
